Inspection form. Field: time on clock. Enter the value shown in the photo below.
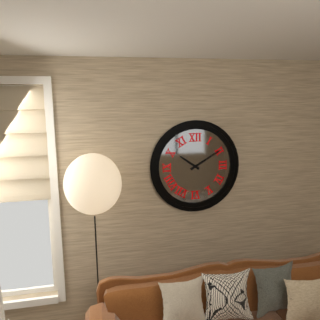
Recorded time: 10:10
